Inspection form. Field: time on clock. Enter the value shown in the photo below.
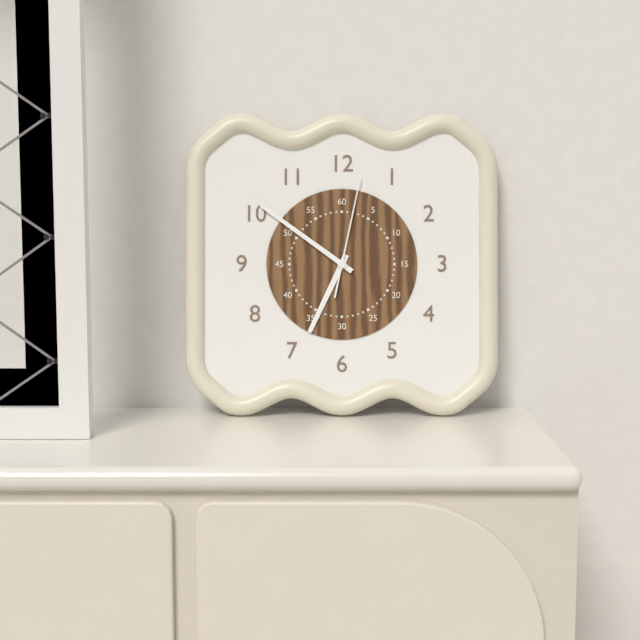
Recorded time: 6:51:02
